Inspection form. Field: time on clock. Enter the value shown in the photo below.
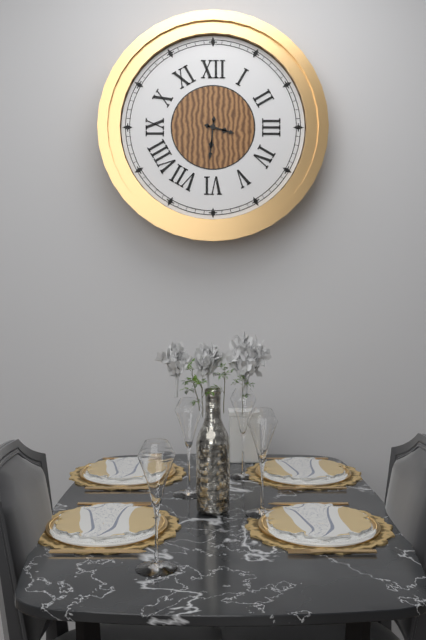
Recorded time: 3:31
